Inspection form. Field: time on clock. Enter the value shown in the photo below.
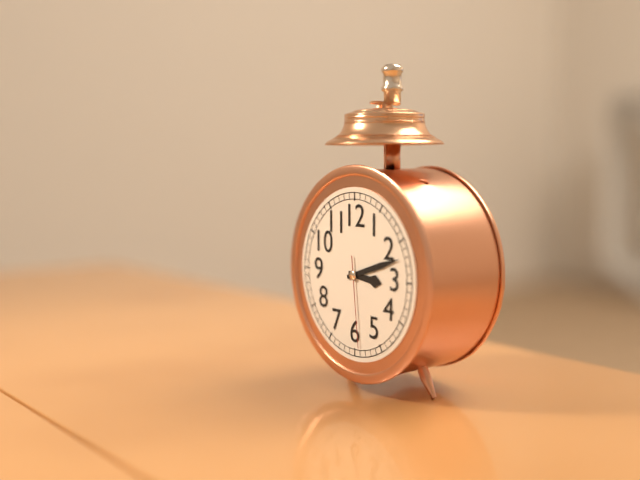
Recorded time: 3:12:29
